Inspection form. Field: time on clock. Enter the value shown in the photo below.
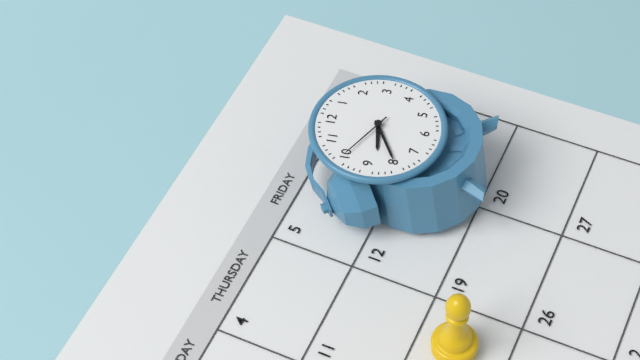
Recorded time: 8:40:50
